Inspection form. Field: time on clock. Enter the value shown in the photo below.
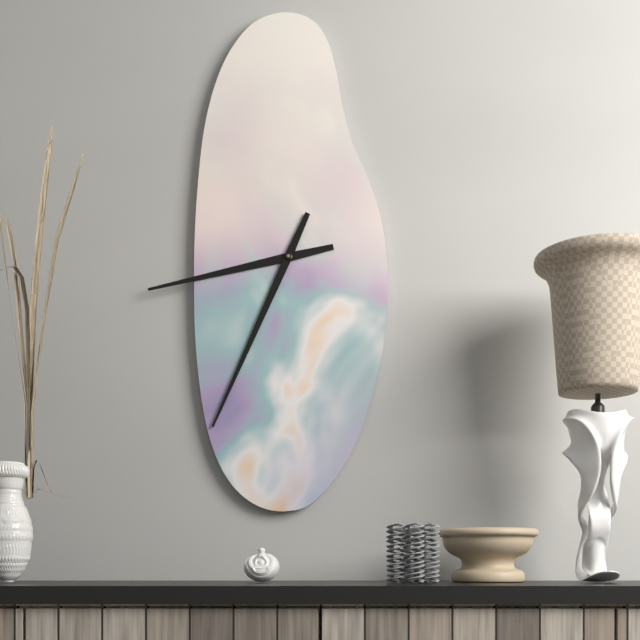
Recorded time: 8:34
